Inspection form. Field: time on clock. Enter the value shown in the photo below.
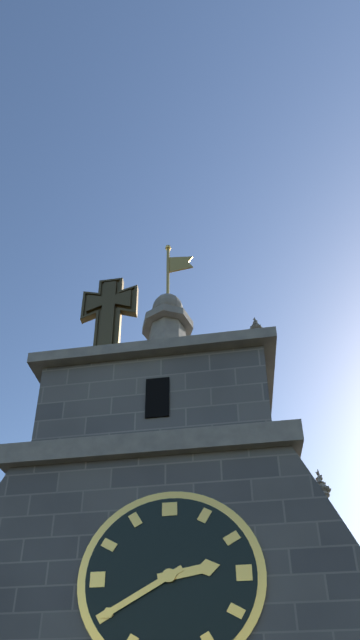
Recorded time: 2:40
